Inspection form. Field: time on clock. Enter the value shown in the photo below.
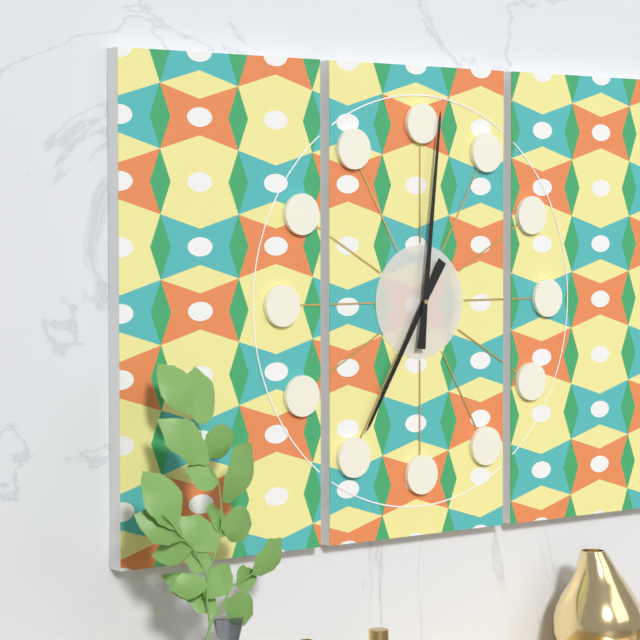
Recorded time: 7:01
